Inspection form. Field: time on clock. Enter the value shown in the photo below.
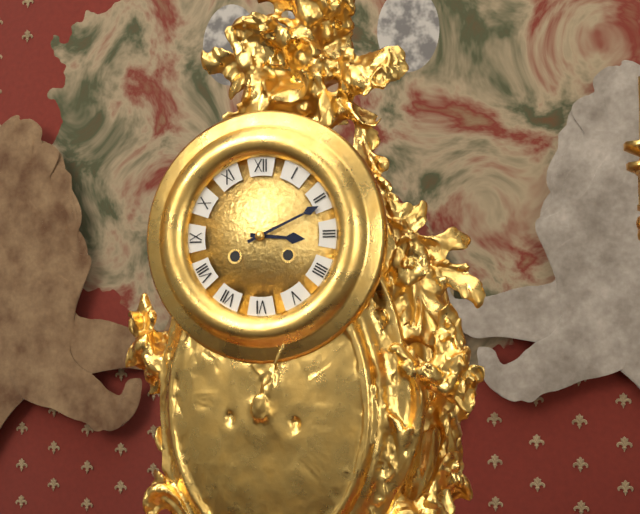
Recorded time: 3:11
